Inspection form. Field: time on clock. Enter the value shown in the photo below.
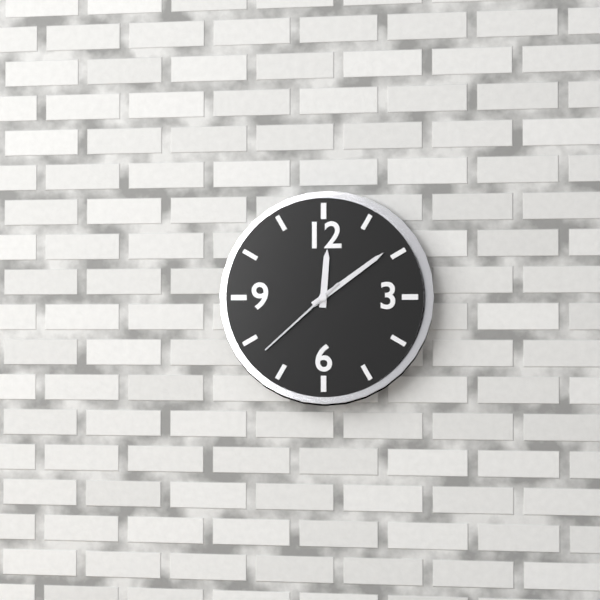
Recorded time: 12:09:38
